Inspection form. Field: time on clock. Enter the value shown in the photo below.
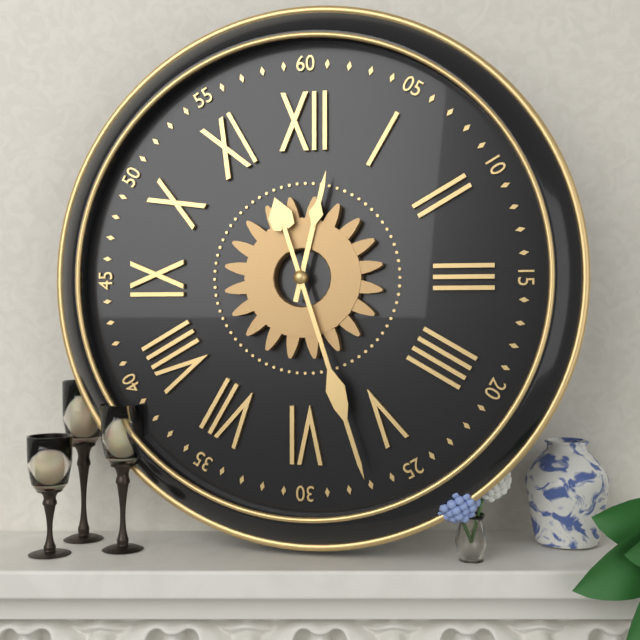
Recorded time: 12:27
